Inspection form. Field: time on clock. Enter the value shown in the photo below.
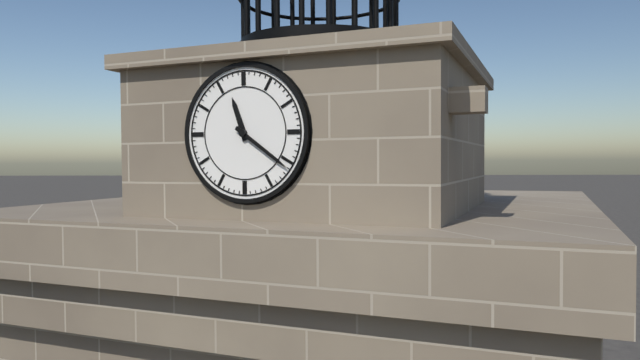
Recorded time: 11:21
